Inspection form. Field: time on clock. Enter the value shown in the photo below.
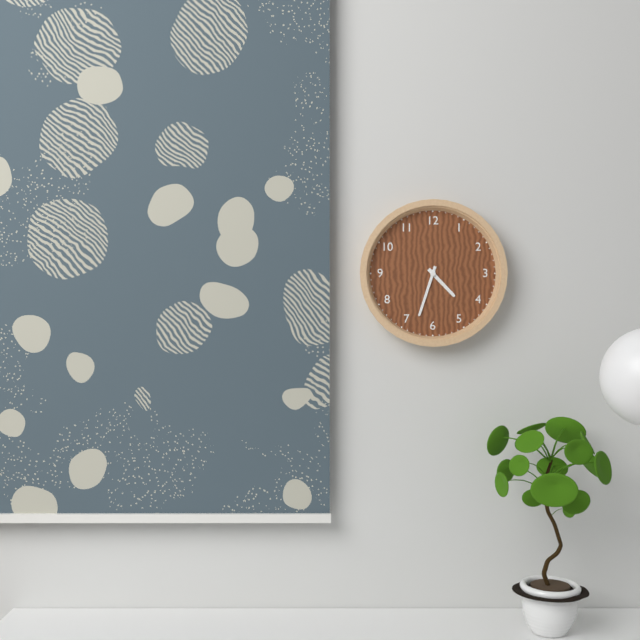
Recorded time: 4:33
